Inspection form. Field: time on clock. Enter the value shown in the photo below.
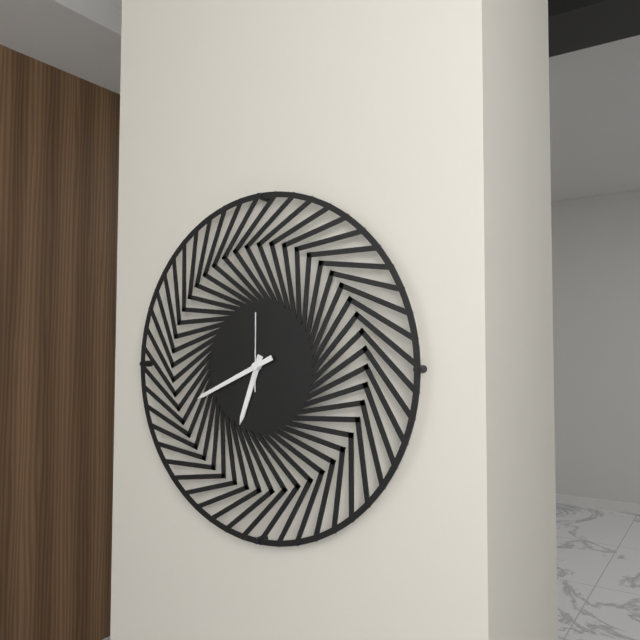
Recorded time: 6:41:00
